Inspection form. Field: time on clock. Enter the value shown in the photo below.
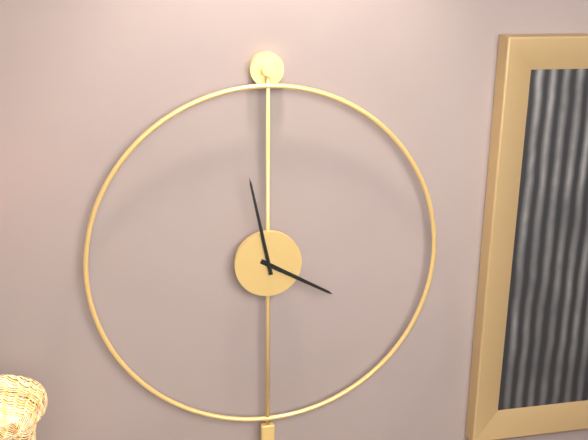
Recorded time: 3:58
